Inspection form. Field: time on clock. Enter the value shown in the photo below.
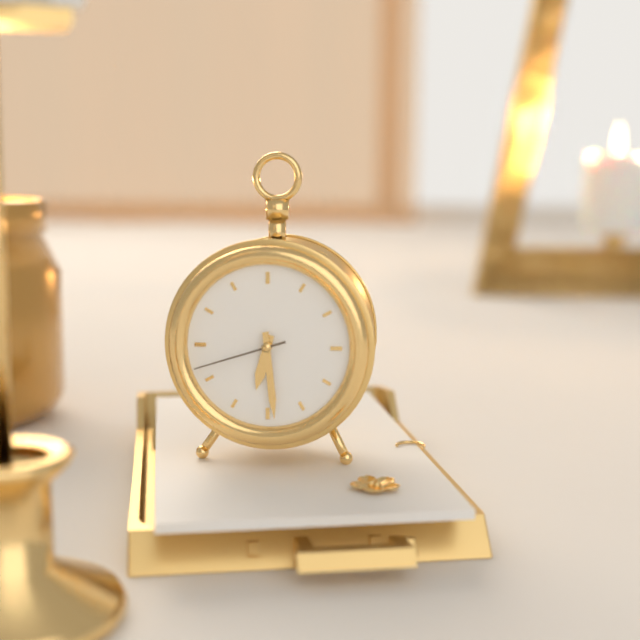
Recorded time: 6:29:42
